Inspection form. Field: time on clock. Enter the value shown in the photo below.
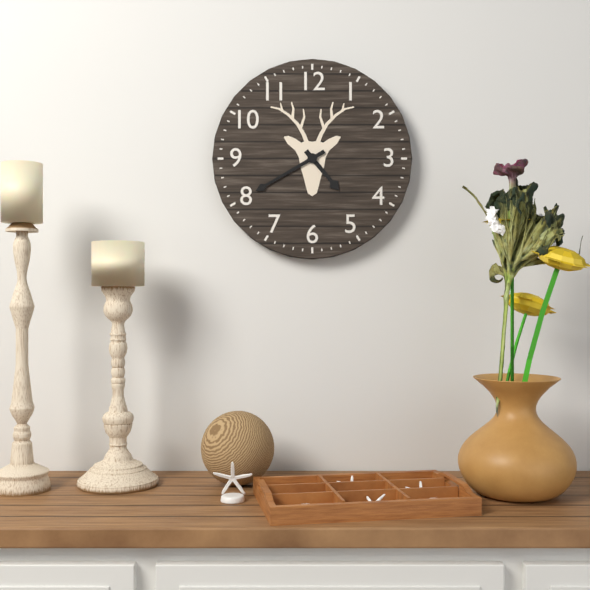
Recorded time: 4:40
